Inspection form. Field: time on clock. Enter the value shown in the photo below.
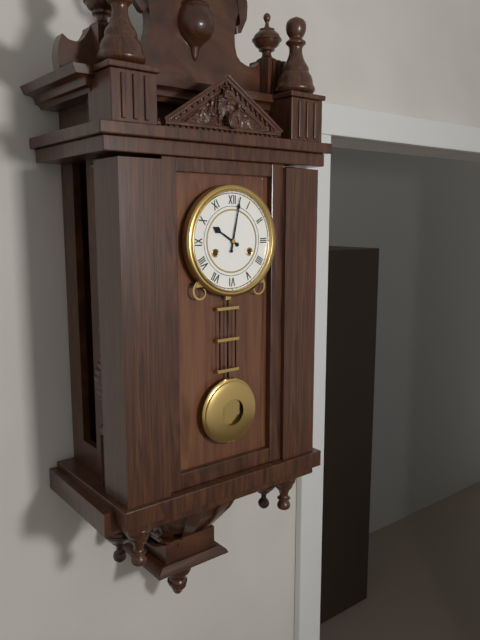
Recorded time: 10:02
